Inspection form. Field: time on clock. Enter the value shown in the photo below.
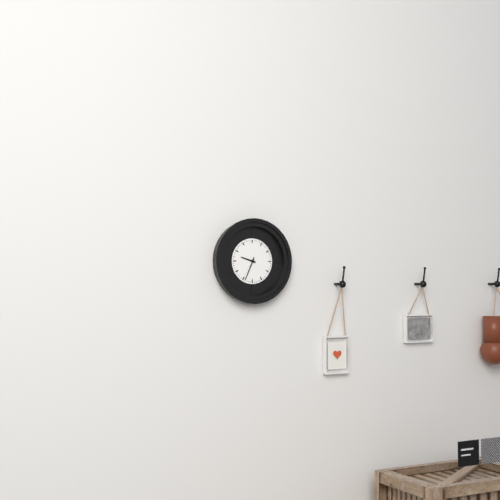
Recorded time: 9:34
